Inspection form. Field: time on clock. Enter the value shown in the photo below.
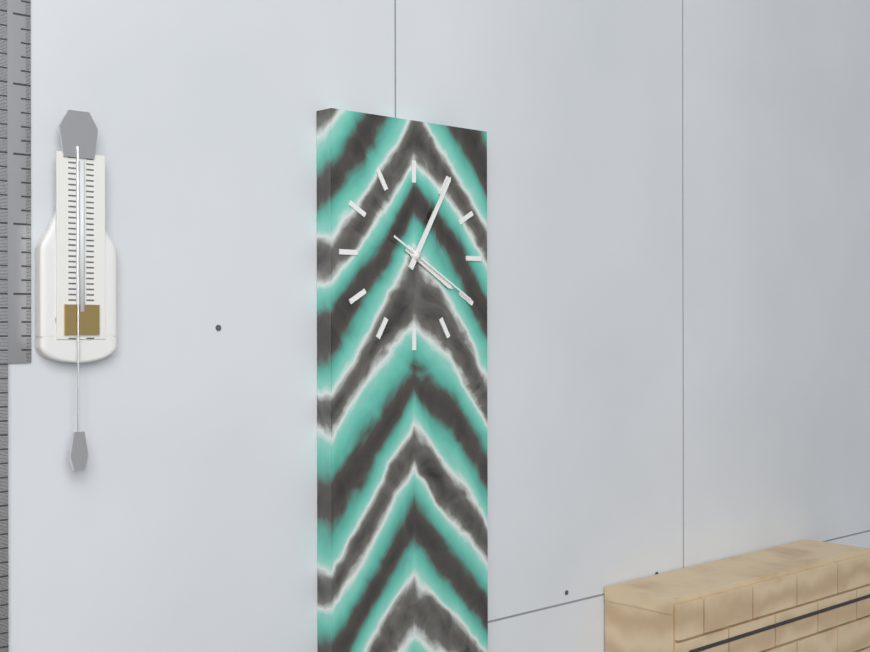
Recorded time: 4:05:20
